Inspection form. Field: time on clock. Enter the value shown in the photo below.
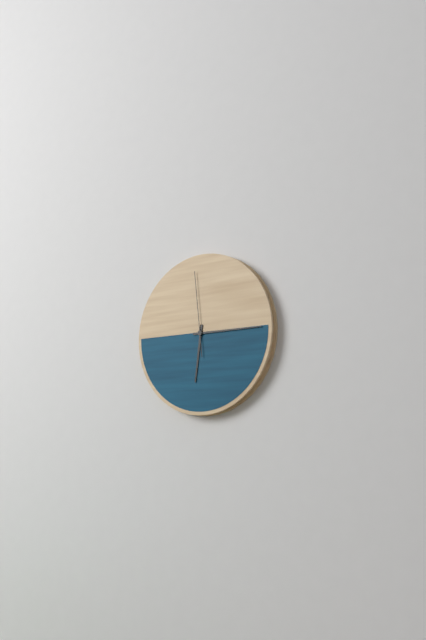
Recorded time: 6:15:59
